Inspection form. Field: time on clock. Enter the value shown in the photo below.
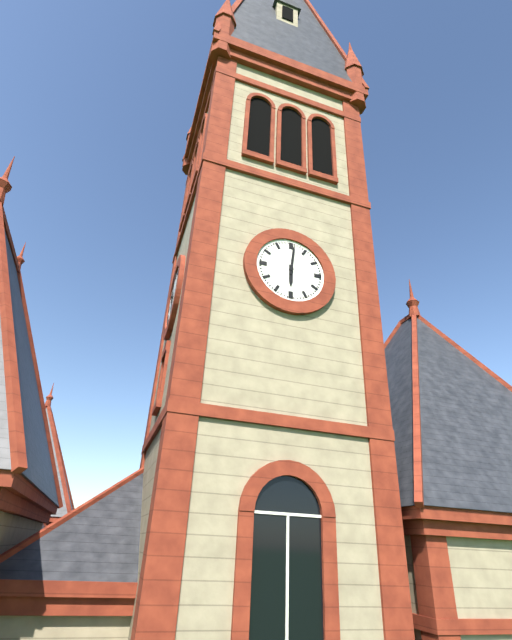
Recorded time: 6:01
